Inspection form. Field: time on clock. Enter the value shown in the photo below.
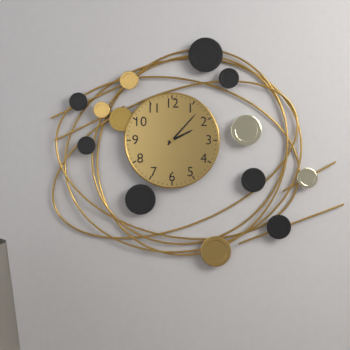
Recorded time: 2:07
